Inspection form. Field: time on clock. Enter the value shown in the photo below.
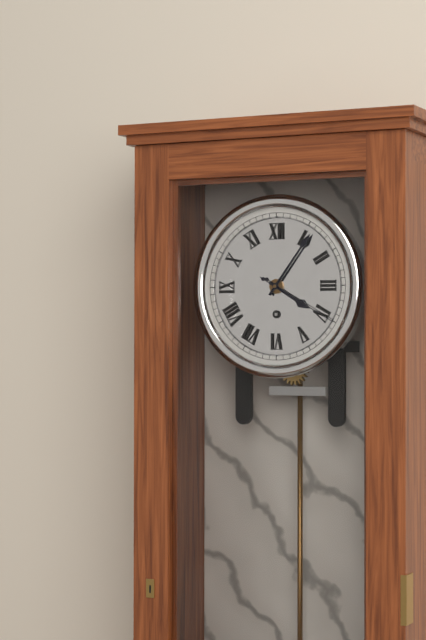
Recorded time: 4:06:20
